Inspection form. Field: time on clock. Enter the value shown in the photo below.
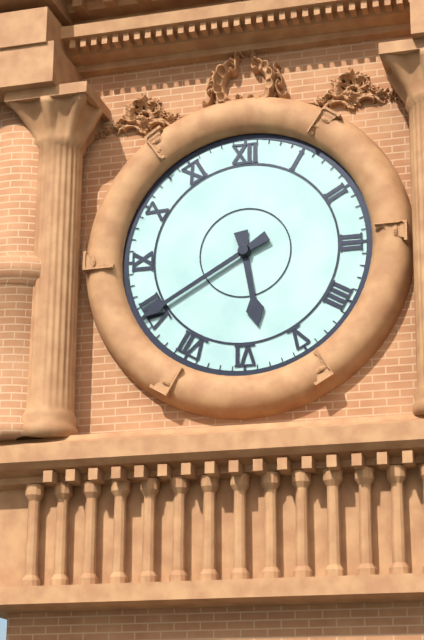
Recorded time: 5:40
